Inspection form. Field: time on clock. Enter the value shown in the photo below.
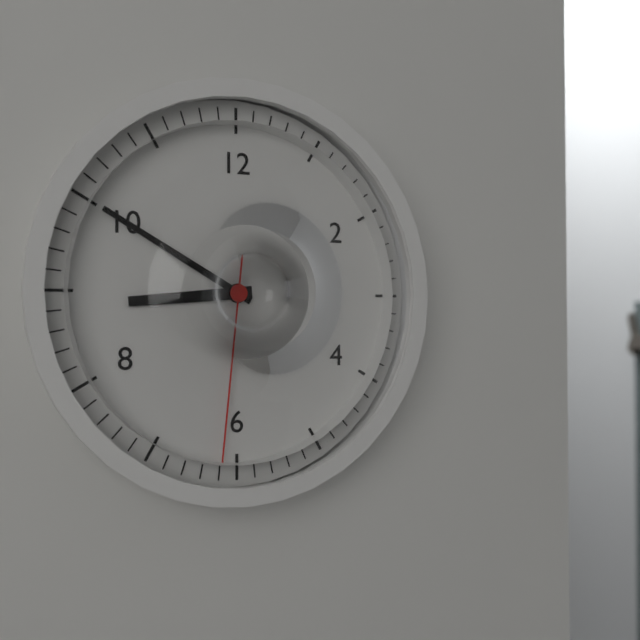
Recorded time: 8:50:31
